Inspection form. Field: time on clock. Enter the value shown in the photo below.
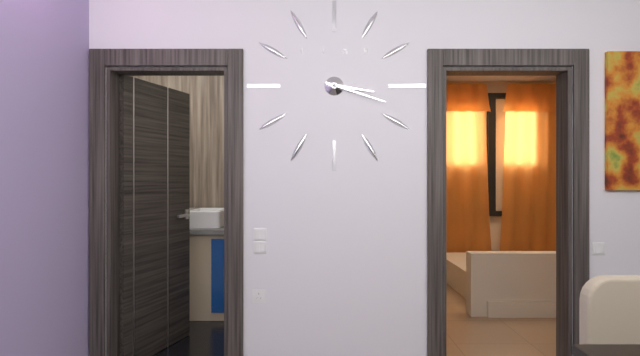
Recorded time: 3:18
